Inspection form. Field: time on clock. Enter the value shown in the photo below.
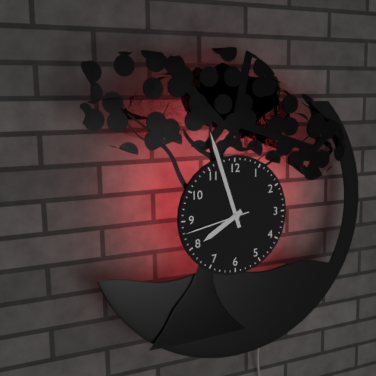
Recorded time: 7:57:43
